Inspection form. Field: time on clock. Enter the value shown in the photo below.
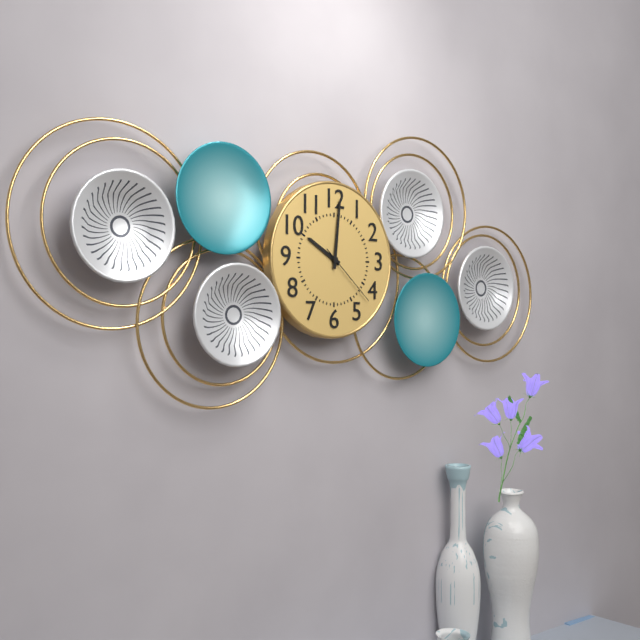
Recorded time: 10:01:22
